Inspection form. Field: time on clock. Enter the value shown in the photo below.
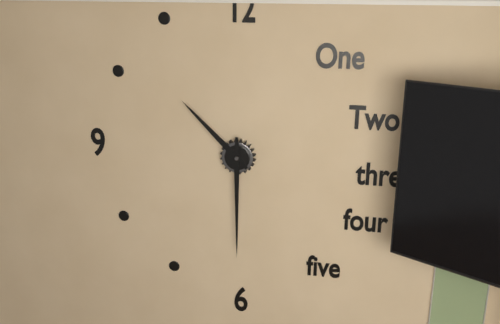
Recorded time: 10:30
